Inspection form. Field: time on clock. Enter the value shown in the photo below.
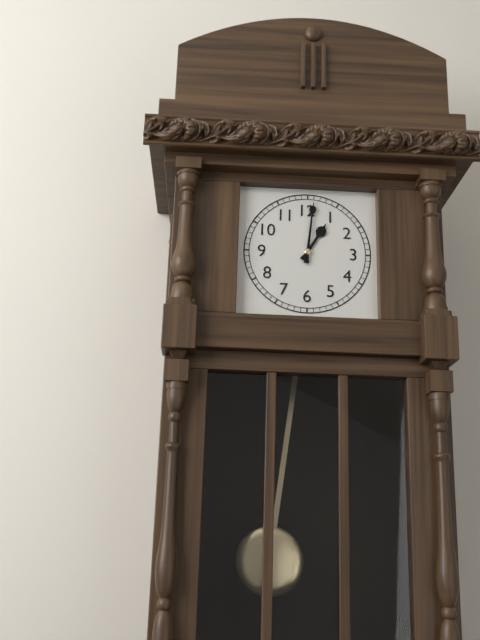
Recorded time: 1:01
